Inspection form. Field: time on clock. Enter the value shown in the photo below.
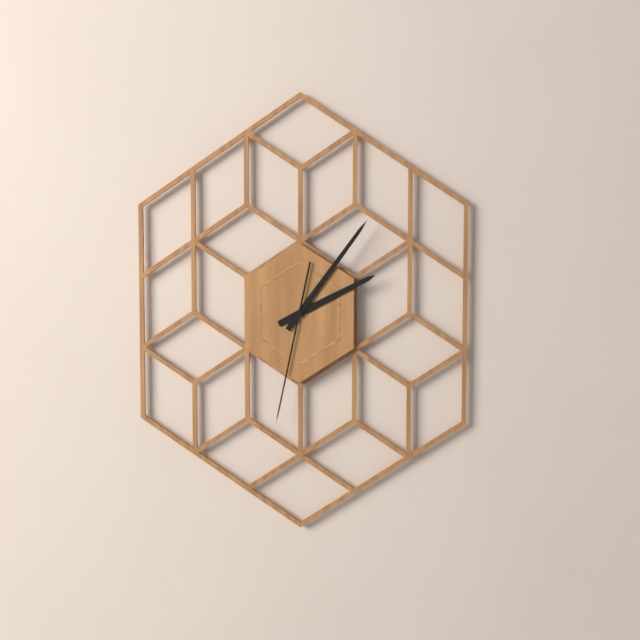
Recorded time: 2:06:32
